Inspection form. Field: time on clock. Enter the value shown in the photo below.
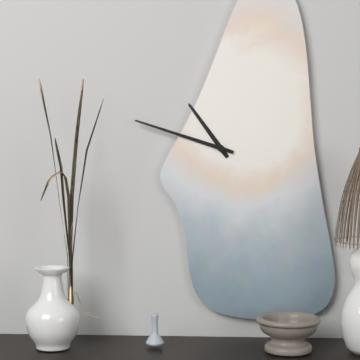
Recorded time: 10:48
